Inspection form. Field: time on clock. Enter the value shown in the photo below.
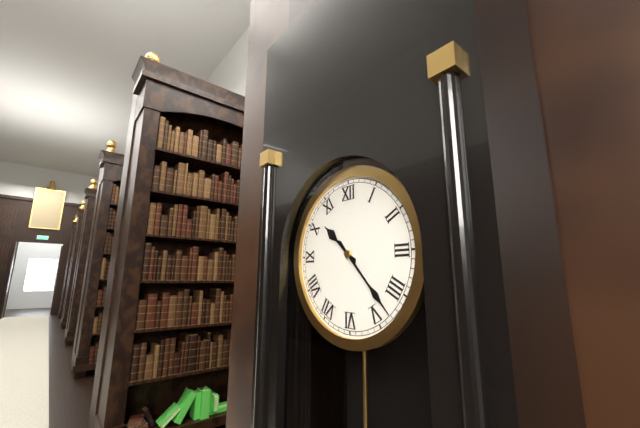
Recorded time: 10:23
